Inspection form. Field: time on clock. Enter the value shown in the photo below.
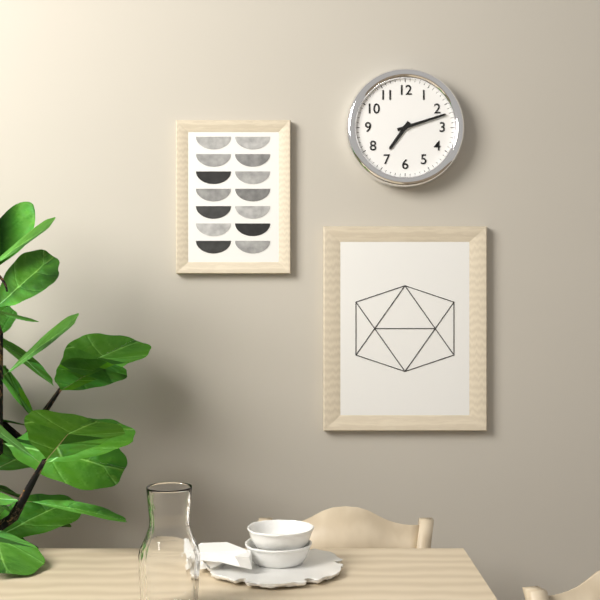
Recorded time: 7:12
